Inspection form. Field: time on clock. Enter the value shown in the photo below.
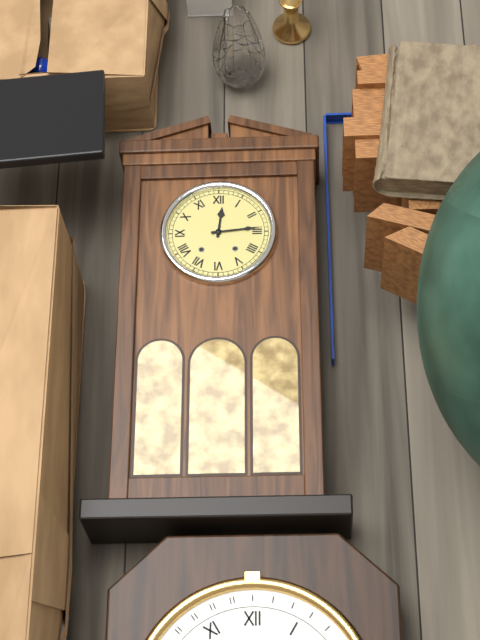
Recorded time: 12:14
